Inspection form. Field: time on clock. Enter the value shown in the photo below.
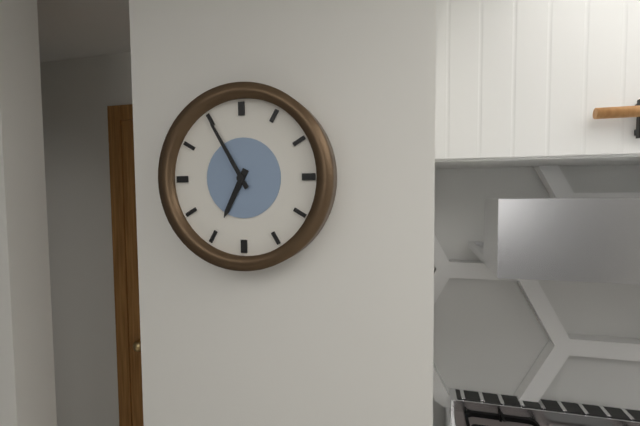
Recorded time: 6:55
